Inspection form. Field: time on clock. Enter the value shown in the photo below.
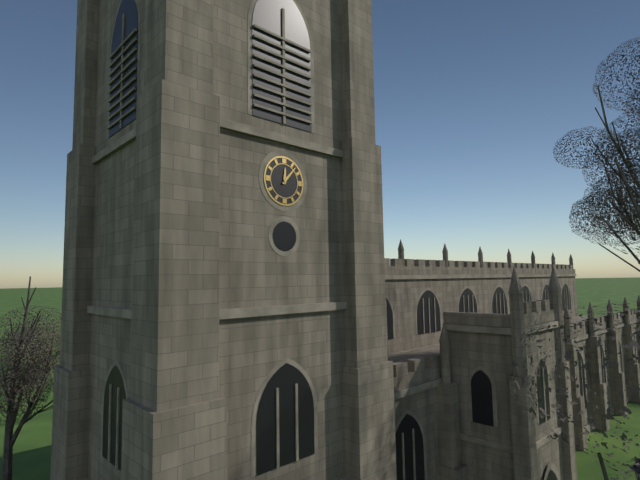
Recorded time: 12:07
